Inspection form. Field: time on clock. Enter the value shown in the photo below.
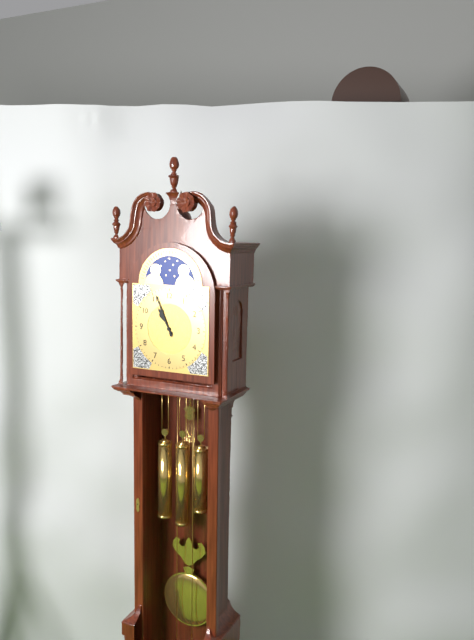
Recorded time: 10:56
